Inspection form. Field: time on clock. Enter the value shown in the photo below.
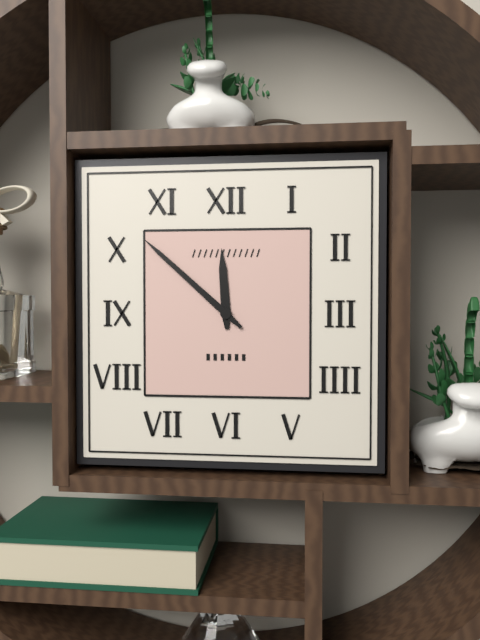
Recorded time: 11:52
